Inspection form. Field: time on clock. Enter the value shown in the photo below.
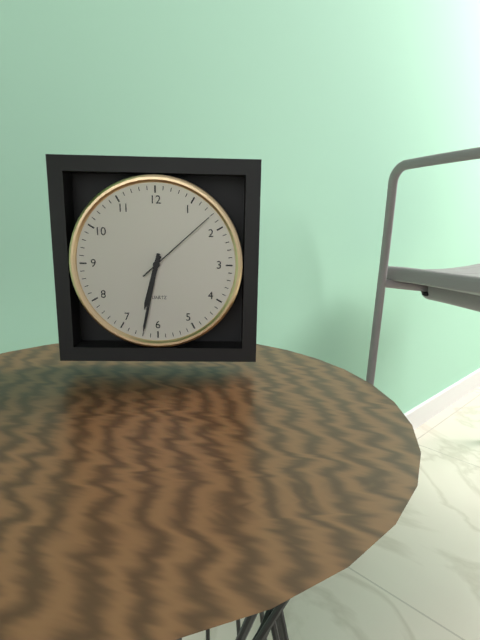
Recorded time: 6:32:08
